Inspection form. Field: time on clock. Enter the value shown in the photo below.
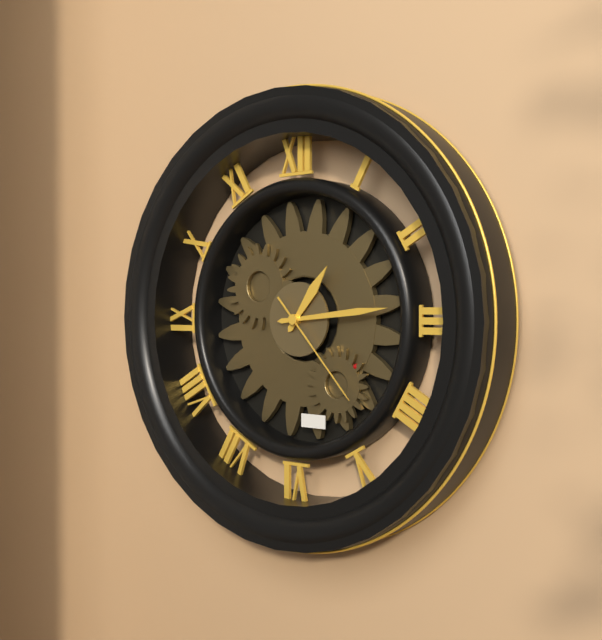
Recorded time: 1:14:23
